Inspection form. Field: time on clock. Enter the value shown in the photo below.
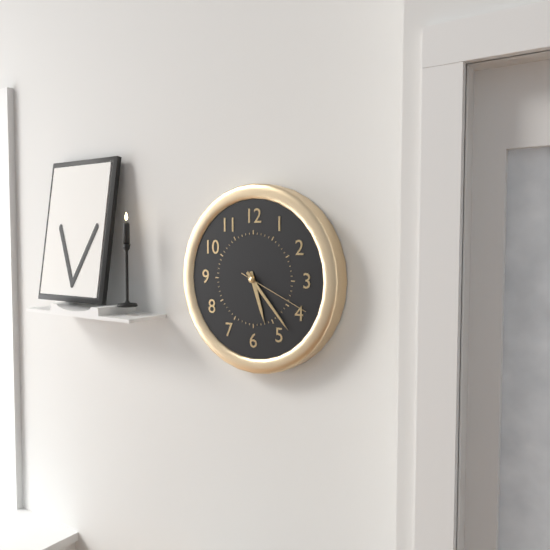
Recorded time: 5:23:19
